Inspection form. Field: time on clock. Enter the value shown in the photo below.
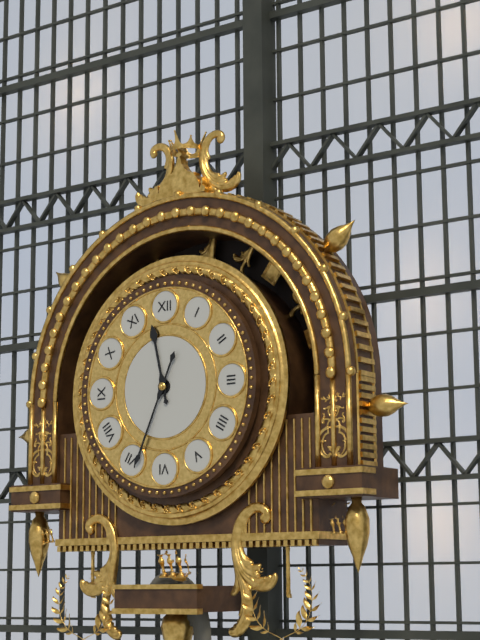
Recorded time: 11:34
